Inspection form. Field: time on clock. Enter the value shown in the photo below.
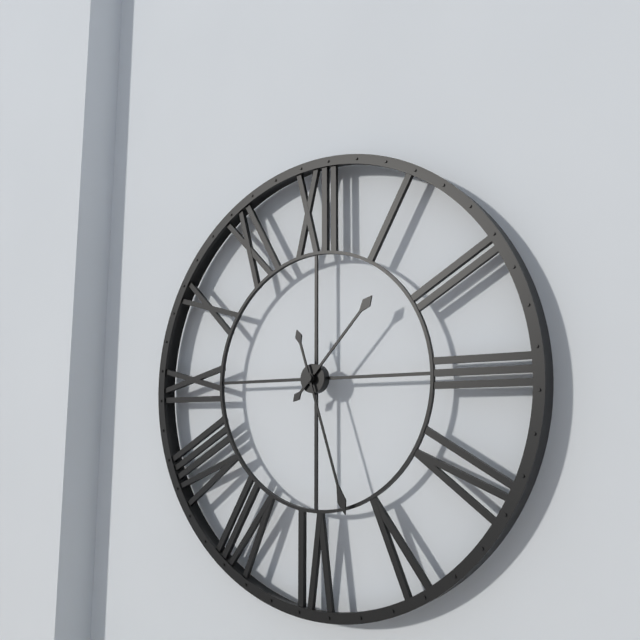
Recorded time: 1:27
